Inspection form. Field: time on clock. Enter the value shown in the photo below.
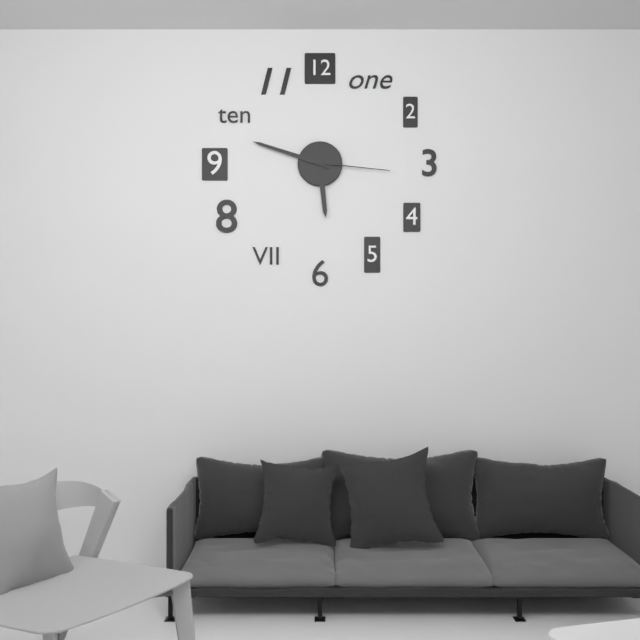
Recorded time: 5:48:16
